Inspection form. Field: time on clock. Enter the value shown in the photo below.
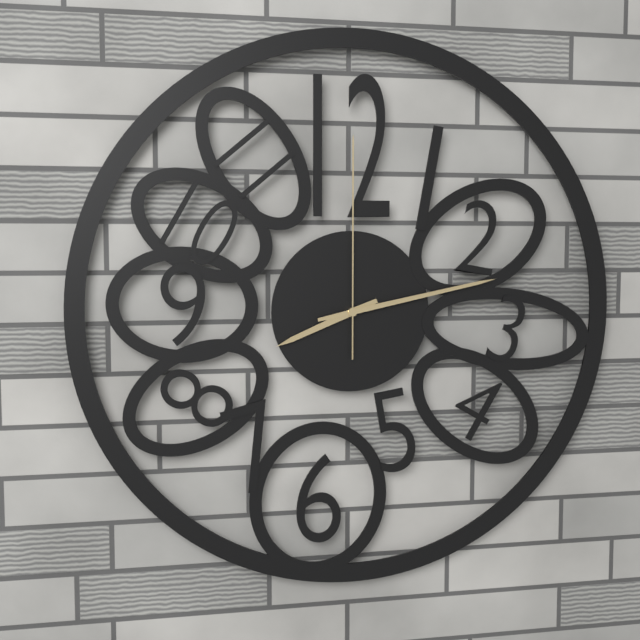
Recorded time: 8:13:00
